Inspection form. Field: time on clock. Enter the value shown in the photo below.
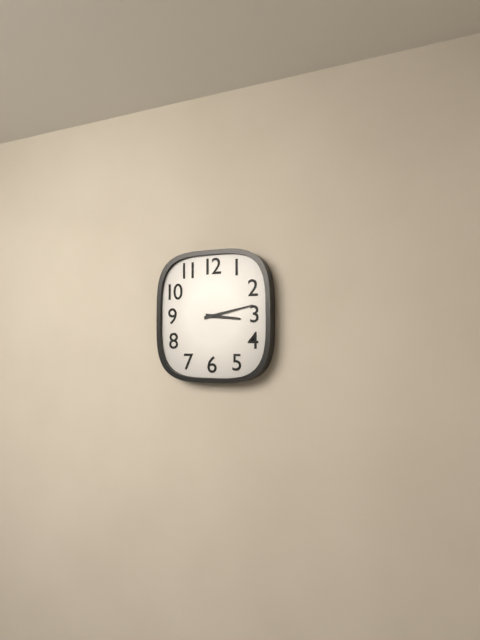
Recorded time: 3:13
